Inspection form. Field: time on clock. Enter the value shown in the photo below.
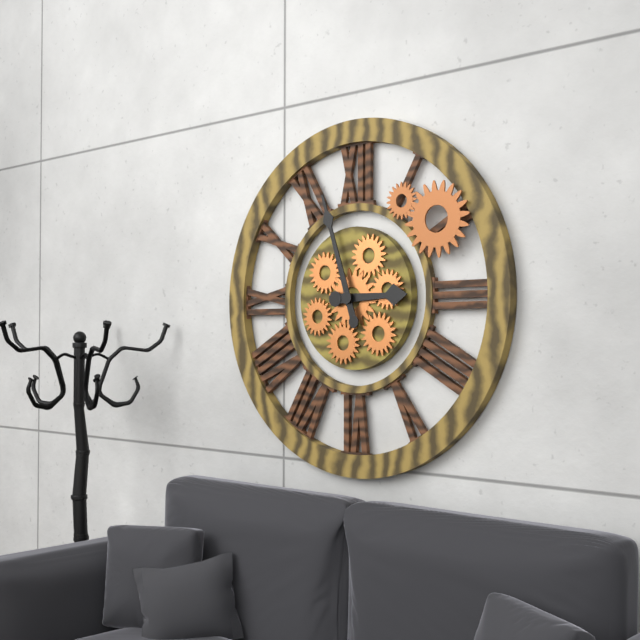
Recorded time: 2:57
